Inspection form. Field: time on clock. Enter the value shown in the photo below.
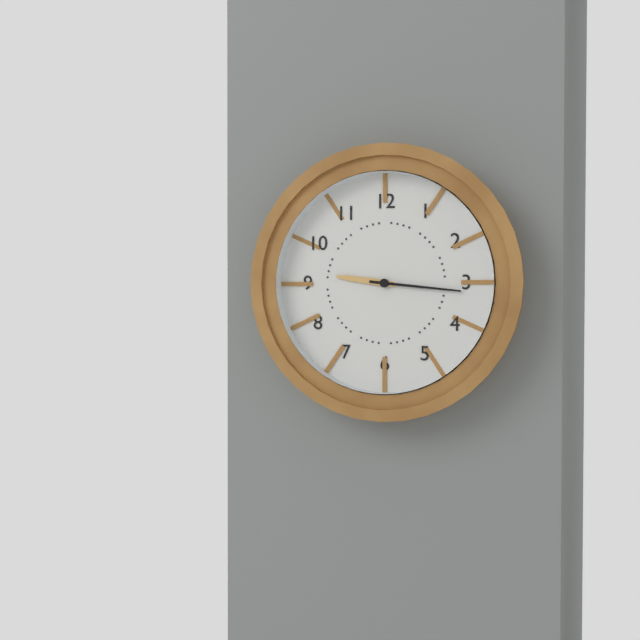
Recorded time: 9:16
